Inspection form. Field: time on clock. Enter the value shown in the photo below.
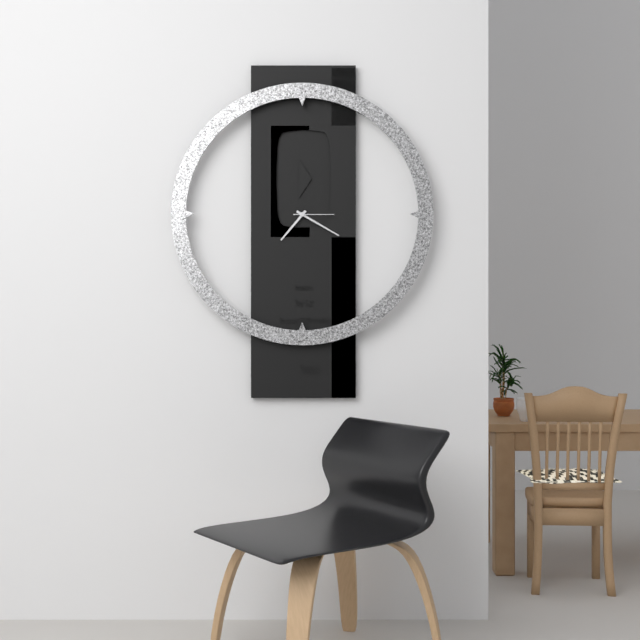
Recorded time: 7:20
